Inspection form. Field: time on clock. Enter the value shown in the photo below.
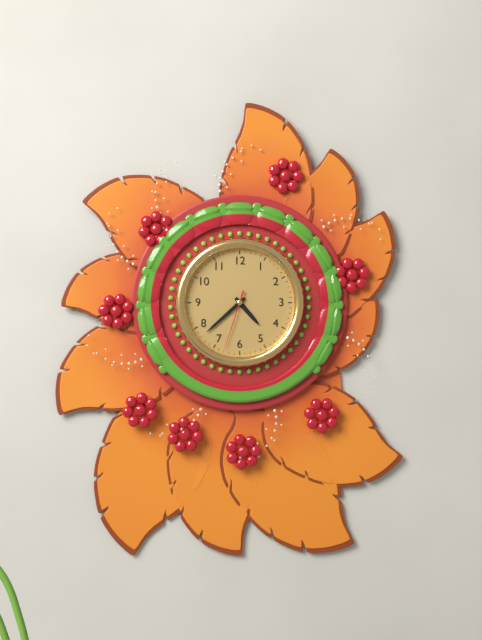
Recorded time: 4:38:33
